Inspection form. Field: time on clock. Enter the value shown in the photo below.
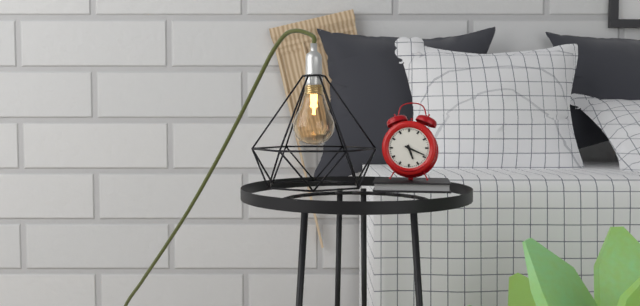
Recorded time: 5:19
